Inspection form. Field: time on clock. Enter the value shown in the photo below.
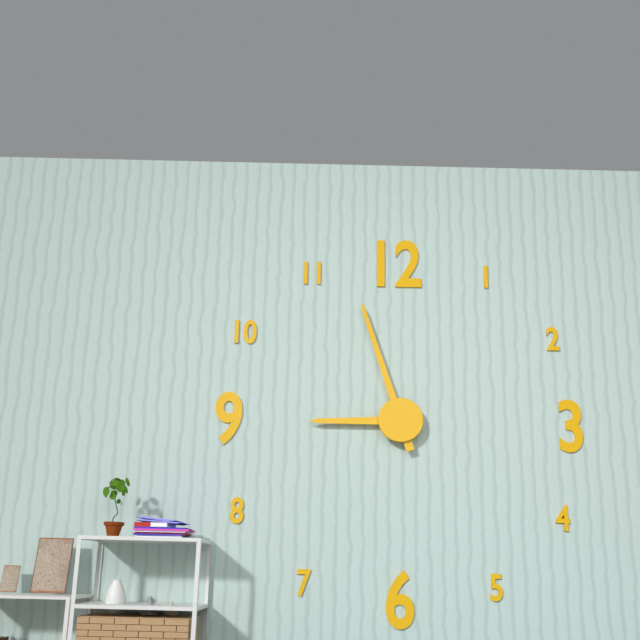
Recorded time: 8:57
